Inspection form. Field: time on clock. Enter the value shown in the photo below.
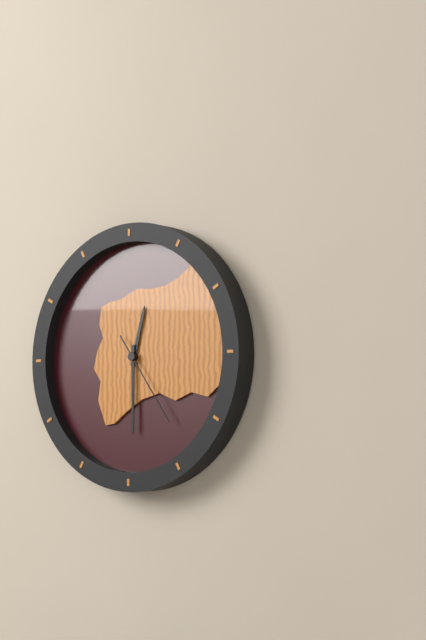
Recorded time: 12:30:24
